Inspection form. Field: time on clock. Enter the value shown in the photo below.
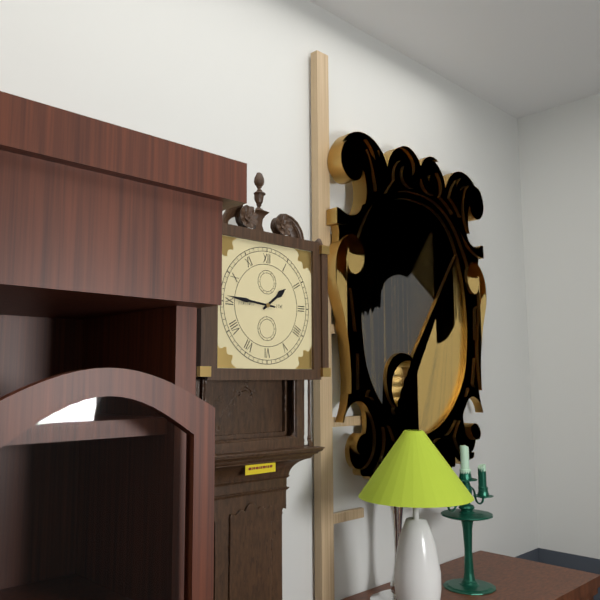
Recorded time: 1:46
